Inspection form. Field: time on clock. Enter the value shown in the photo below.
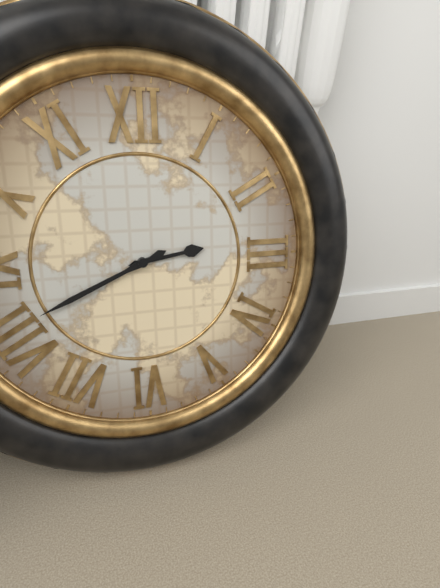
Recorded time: 2:41
